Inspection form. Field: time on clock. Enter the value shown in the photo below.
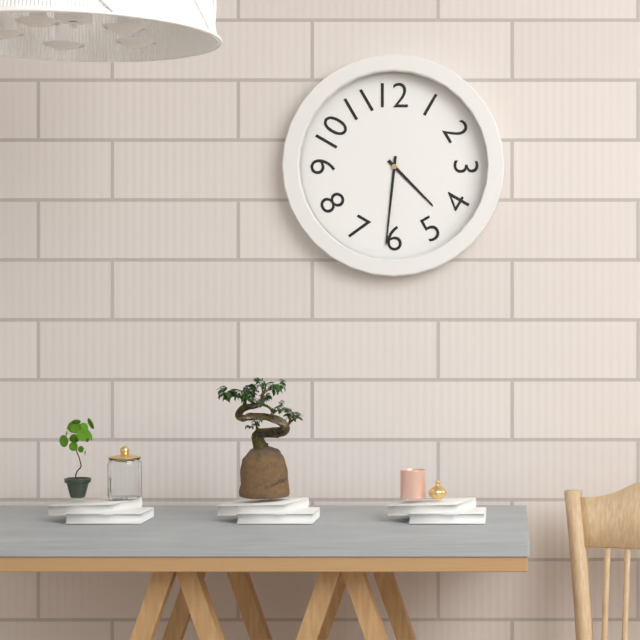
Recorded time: 4:31
